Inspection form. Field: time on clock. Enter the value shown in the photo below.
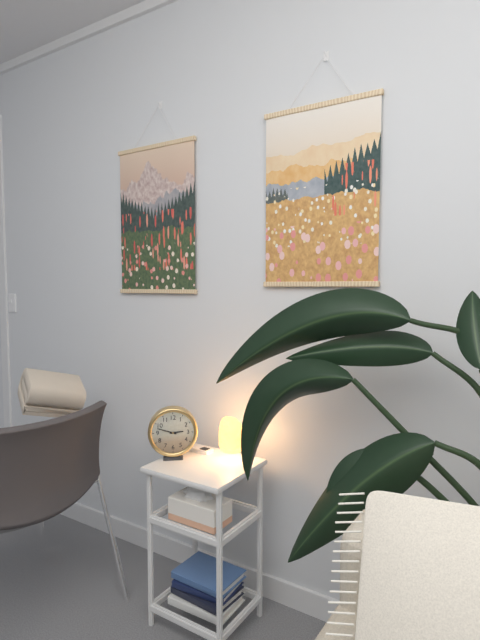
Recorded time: 2:48
